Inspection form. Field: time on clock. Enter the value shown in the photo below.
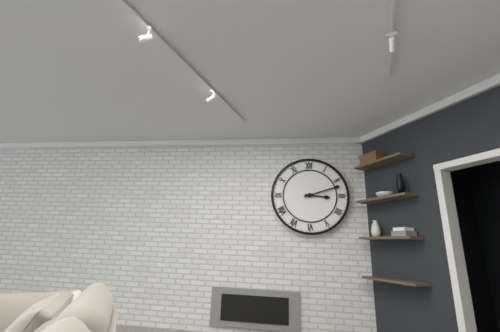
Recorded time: 3:12
